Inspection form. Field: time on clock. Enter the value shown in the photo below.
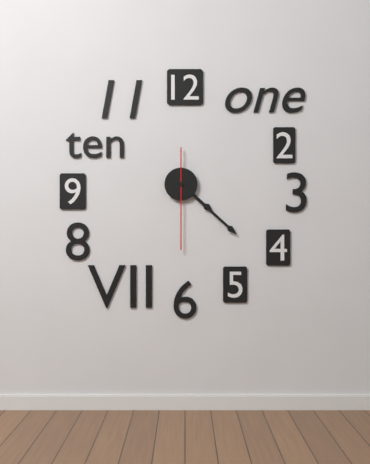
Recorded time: 4:22:30
